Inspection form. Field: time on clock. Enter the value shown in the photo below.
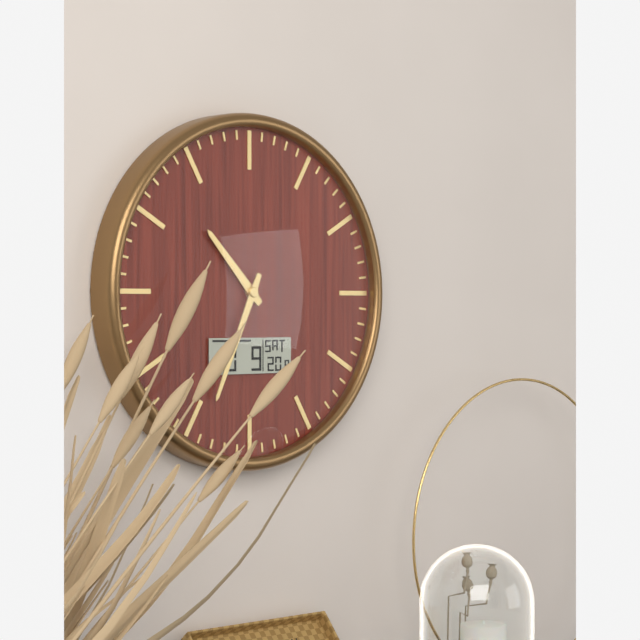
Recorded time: 10:34
